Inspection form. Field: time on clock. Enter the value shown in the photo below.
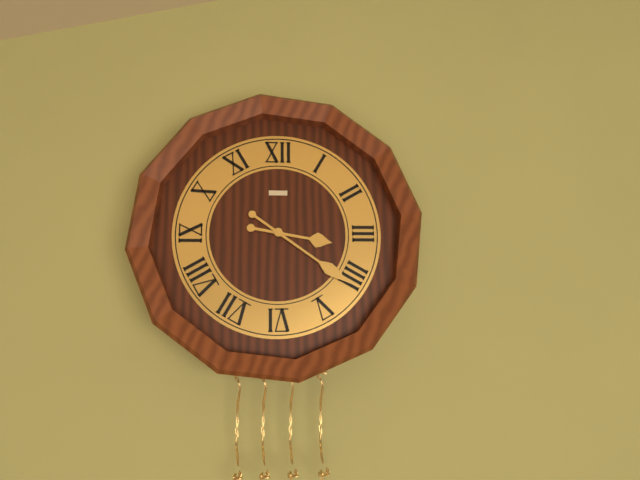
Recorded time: 3:21
